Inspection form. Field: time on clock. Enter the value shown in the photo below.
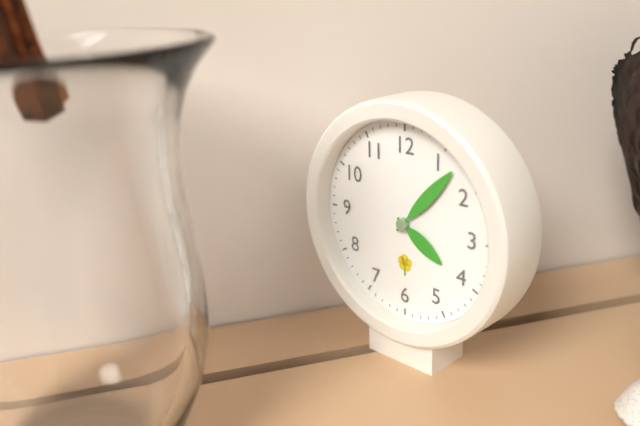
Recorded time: 4:07
